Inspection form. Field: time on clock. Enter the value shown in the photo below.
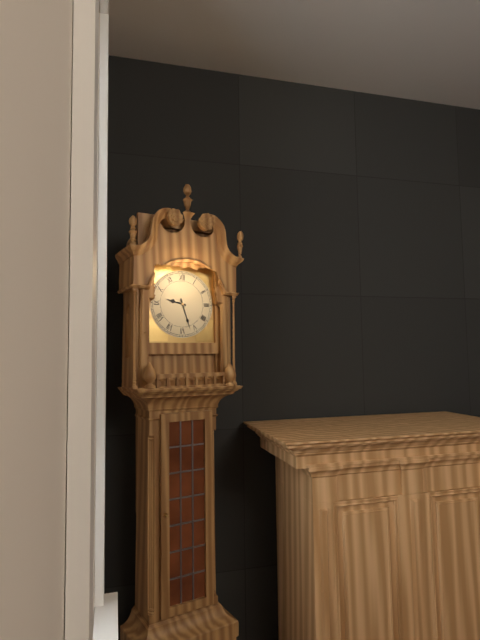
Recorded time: 9:27
